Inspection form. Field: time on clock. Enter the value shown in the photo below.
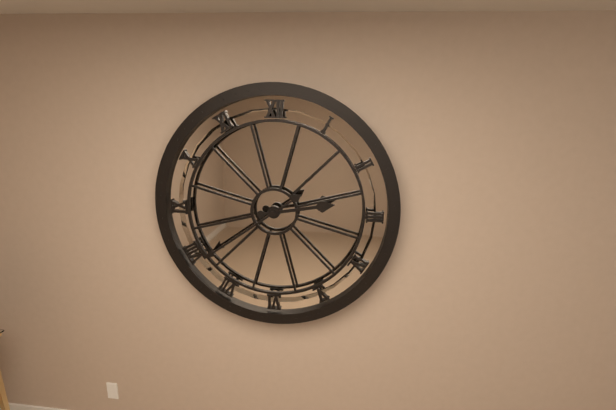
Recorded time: 2:39
